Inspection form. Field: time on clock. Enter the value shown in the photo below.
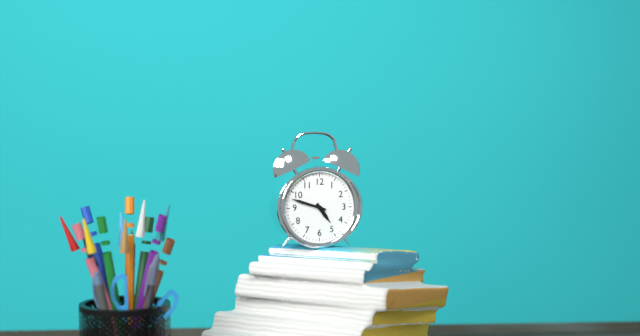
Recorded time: 4:48
